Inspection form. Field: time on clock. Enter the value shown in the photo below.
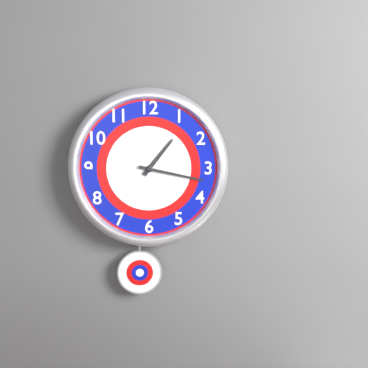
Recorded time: 1:17
